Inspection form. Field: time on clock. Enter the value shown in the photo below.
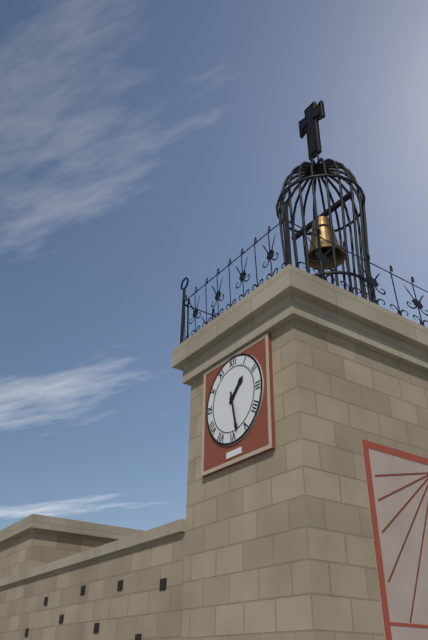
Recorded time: 1:28
